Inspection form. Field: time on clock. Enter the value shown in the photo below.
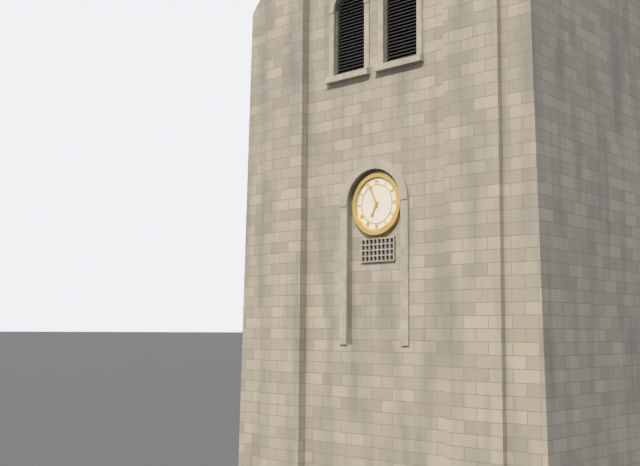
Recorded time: 6:56
